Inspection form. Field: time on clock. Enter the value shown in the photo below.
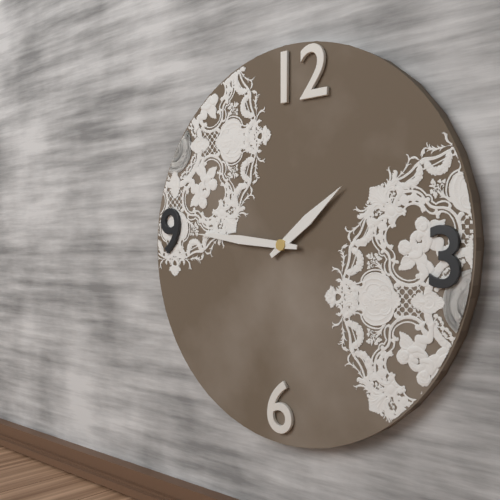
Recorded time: 1:46
